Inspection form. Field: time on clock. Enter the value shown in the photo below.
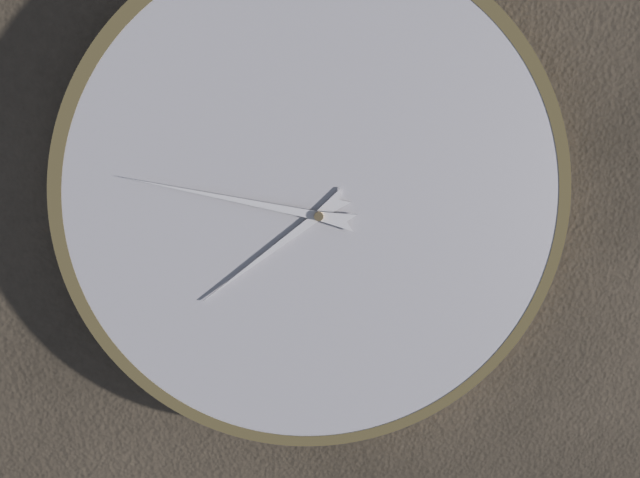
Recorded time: 7:47
